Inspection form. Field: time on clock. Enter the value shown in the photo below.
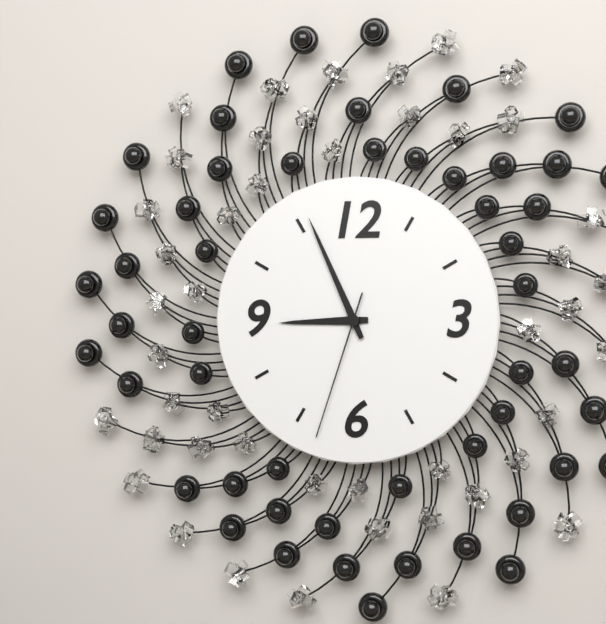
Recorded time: 8:56:33
